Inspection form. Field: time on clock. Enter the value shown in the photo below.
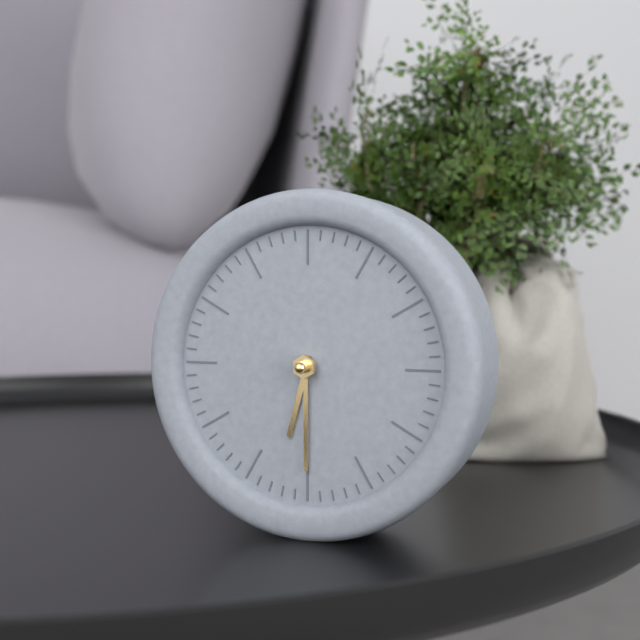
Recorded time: 6:30
